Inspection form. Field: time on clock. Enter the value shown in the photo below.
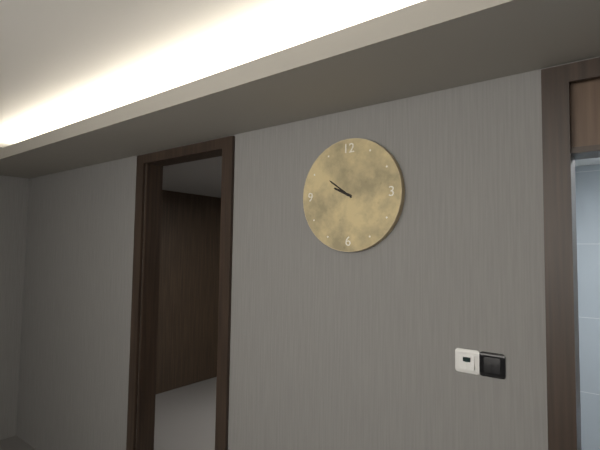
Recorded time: 9:51
